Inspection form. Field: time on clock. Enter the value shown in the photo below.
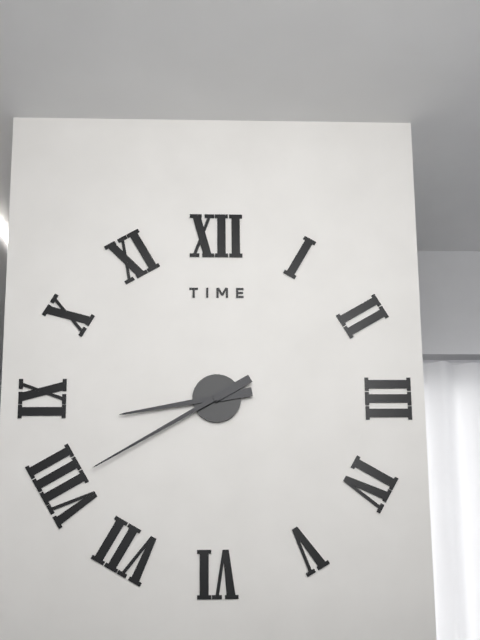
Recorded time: 8:40
